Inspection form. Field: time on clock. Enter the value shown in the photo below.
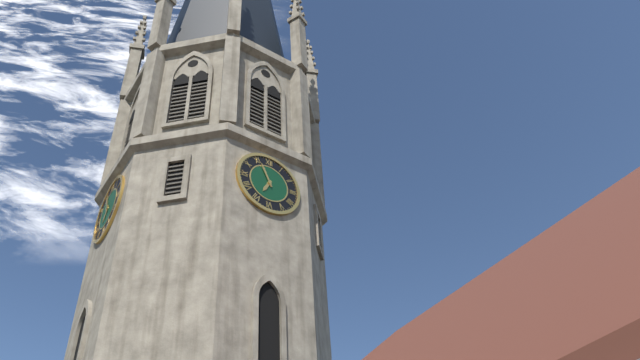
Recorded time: 6:56
